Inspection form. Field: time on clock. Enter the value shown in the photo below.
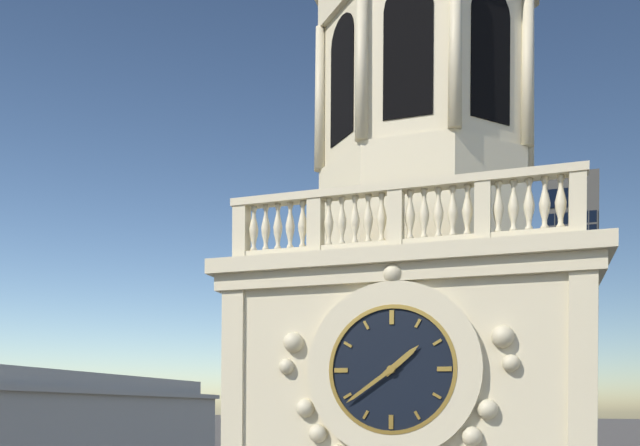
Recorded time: 1:39
